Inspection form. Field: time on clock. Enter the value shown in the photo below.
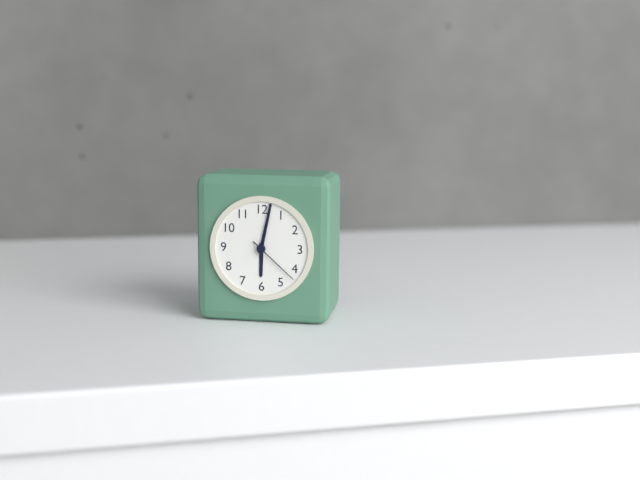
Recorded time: 6:02:22
